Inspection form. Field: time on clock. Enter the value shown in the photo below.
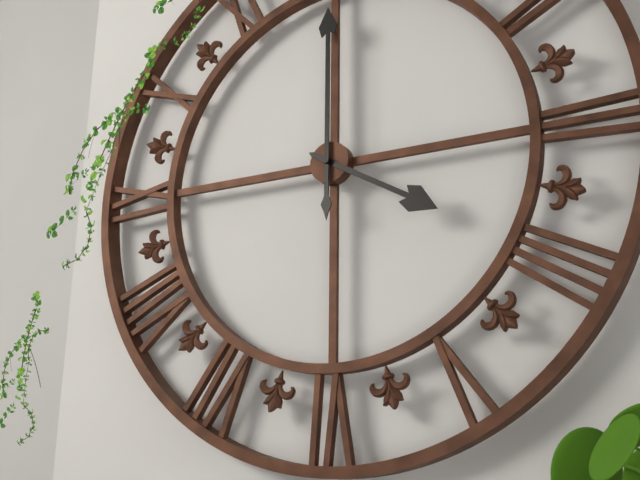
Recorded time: 4:00
